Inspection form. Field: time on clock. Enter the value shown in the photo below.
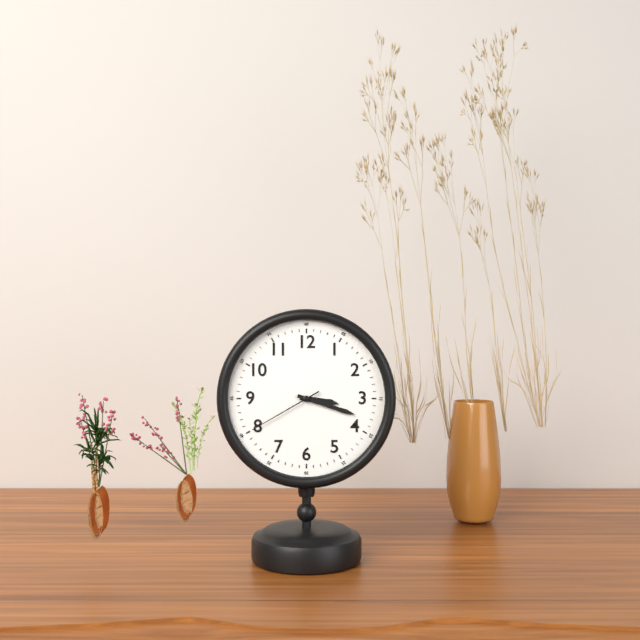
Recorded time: 3:18:40
